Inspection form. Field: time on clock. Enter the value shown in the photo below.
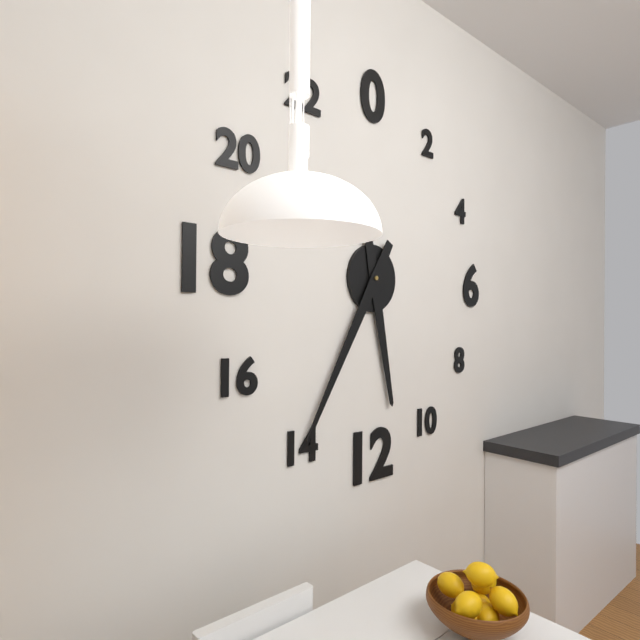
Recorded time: 5:35
